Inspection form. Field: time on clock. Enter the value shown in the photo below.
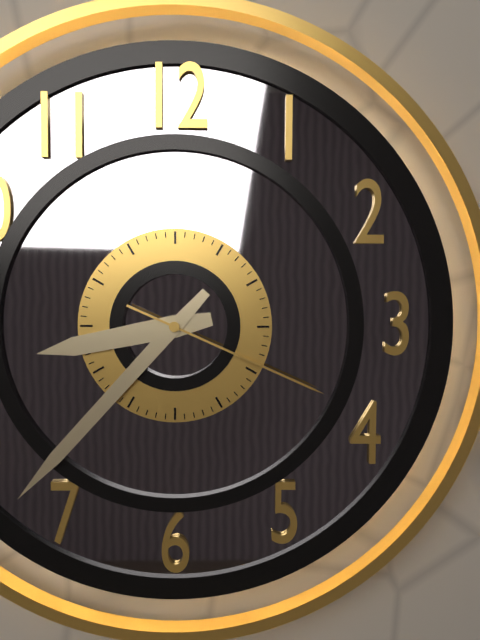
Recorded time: 8:37:19
